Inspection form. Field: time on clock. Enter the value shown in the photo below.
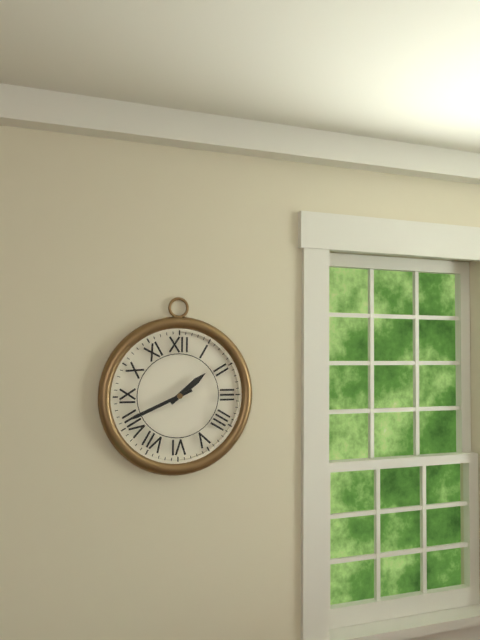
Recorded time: 1:41
